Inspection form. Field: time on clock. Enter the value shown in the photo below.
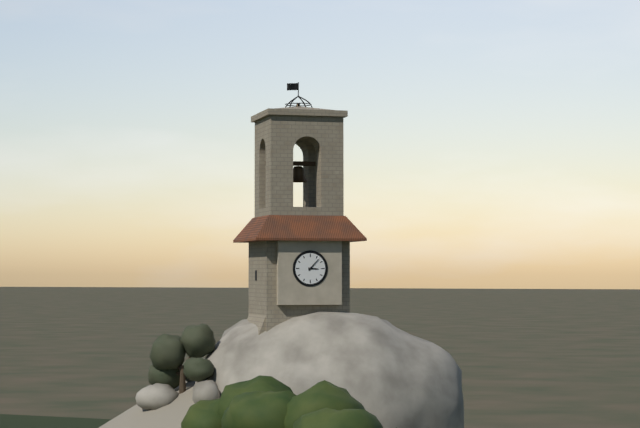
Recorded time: 3:07
